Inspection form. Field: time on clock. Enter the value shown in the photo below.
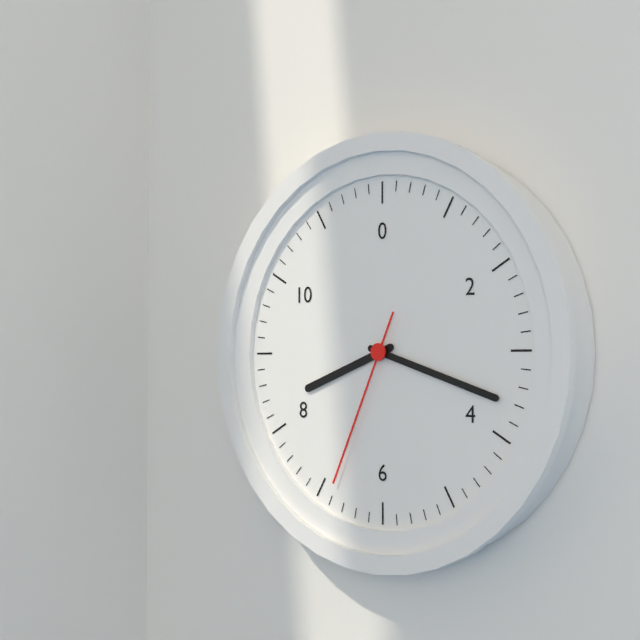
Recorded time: 8:18:34
